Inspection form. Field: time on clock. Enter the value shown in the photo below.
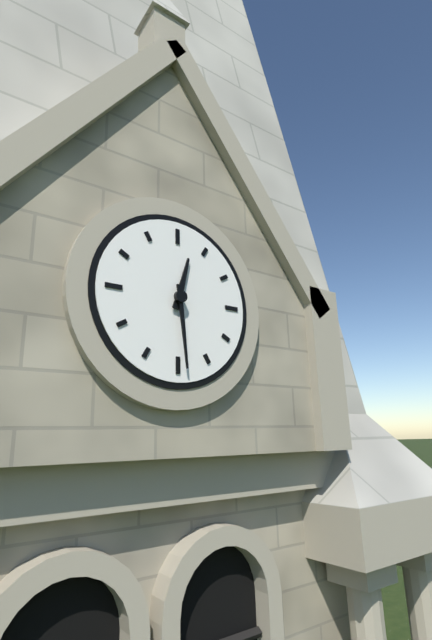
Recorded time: 12:29
